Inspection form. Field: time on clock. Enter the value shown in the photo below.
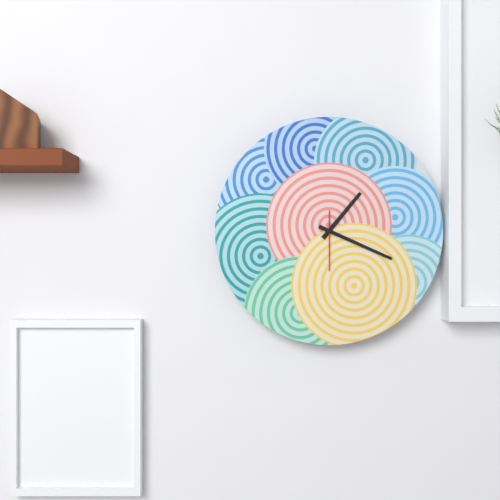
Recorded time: 1:19
